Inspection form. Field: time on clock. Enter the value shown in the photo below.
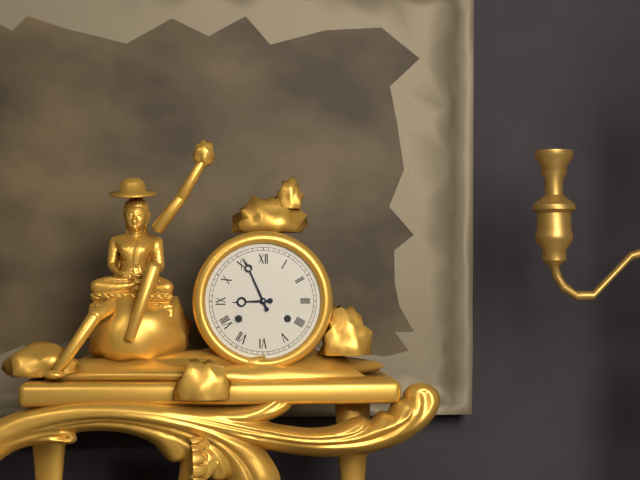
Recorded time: 8:56
